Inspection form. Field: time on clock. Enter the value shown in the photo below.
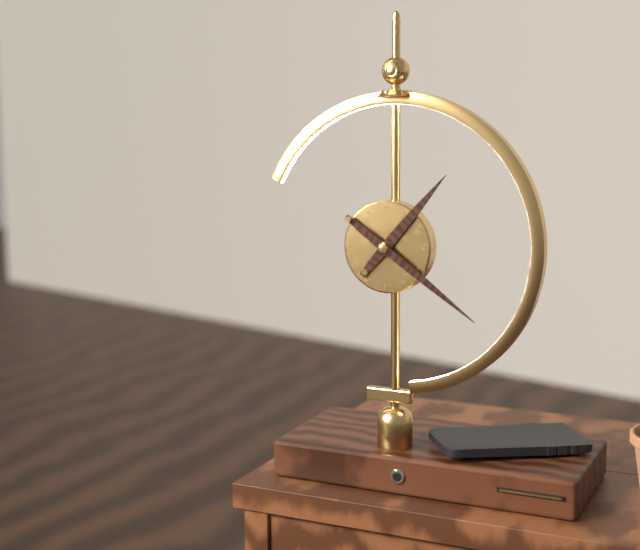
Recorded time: 1:21
